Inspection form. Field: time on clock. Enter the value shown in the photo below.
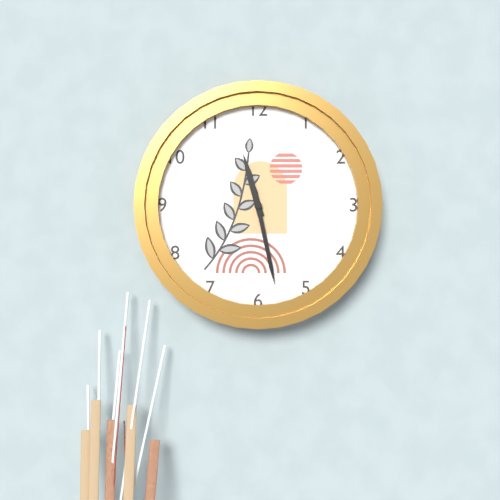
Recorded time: 11:28
